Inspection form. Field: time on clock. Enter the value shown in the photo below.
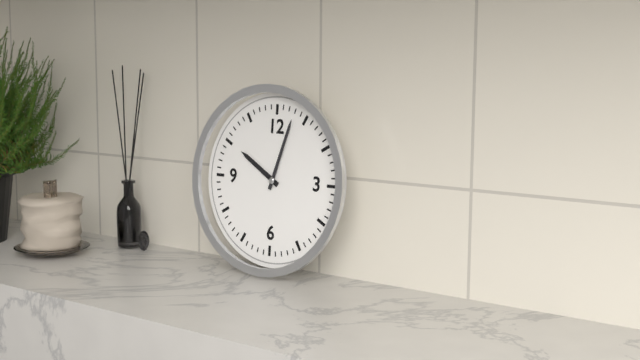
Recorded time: 10:03
